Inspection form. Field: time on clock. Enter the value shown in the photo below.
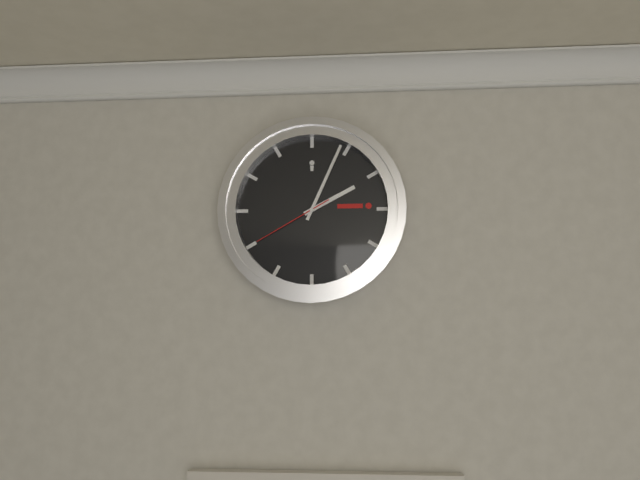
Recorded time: 2:04:40
